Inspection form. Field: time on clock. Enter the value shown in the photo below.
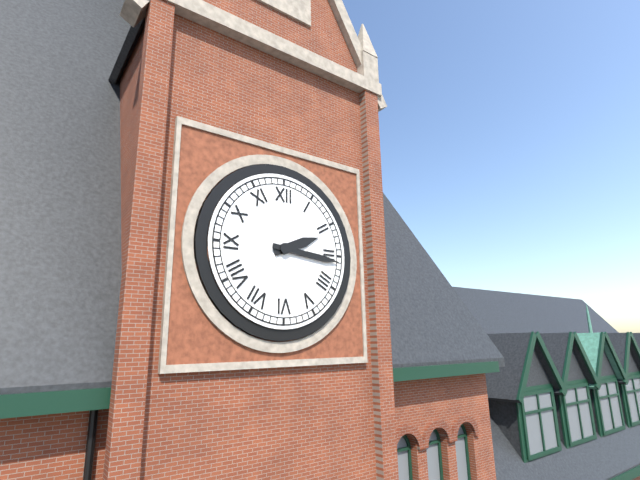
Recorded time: 2:16
